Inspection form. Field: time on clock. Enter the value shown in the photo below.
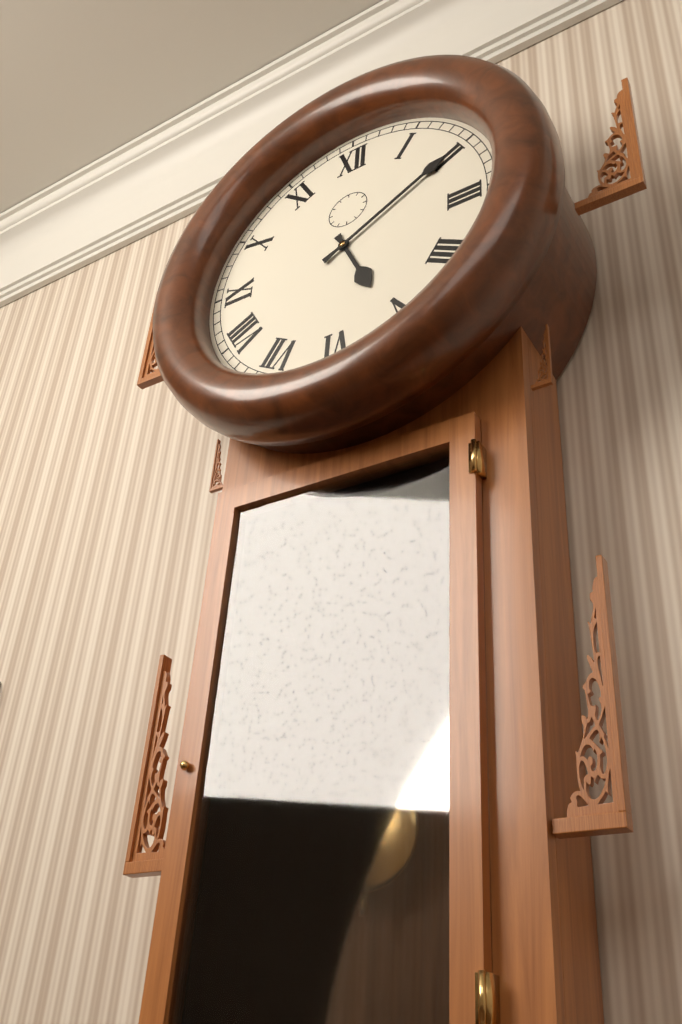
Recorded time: 5:10
